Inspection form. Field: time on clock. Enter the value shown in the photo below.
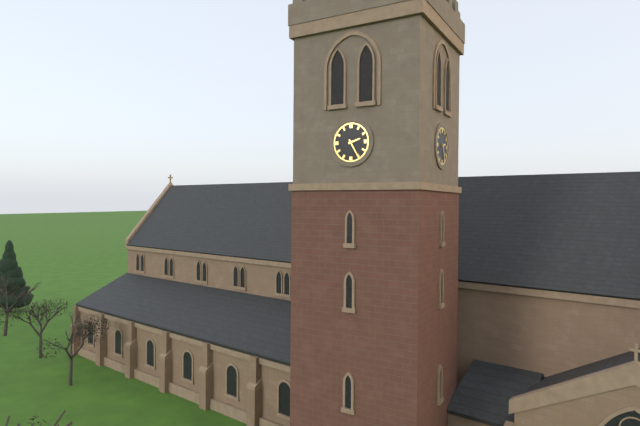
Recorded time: 2:25
